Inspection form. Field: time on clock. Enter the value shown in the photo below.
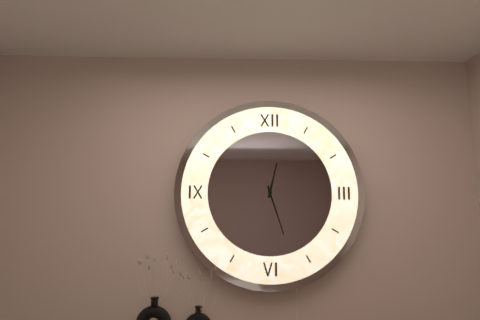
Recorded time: 12:27
